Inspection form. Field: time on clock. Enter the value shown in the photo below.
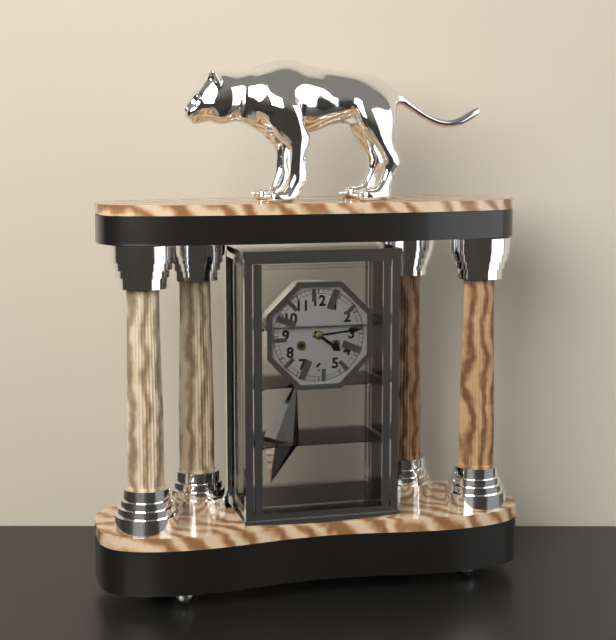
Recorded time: 4:14
